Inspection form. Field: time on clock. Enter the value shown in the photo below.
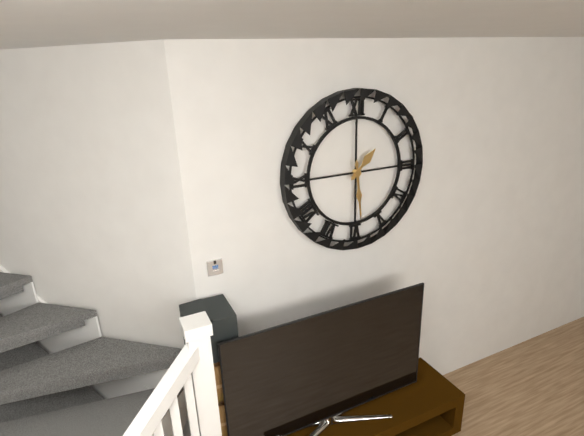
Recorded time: 1:29
